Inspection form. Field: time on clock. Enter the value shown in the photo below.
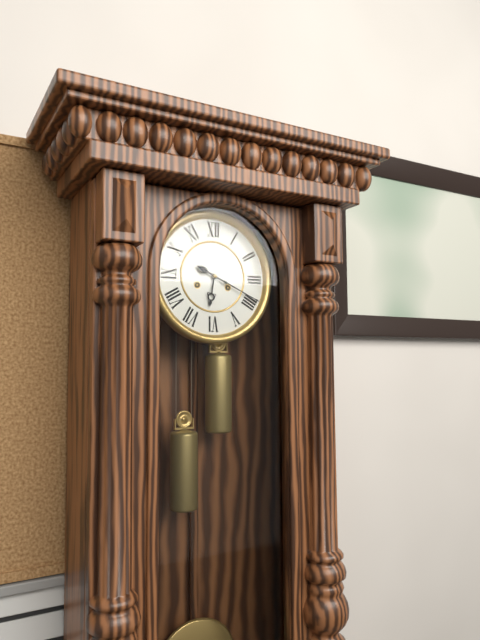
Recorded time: 6:19
